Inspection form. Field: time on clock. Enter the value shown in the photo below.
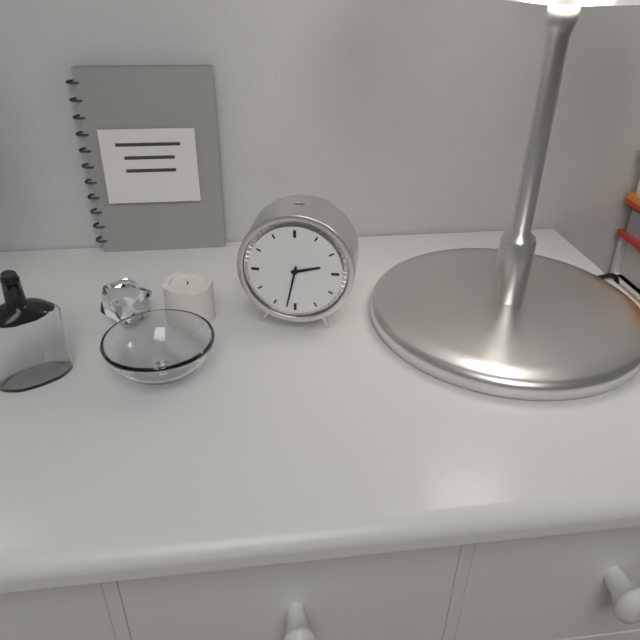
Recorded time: 2:32
